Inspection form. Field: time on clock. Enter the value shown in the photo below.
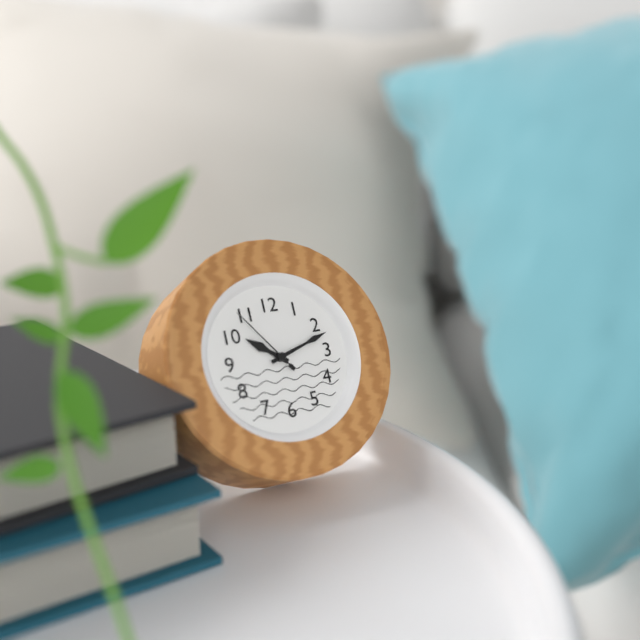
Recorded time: 10:12:54
